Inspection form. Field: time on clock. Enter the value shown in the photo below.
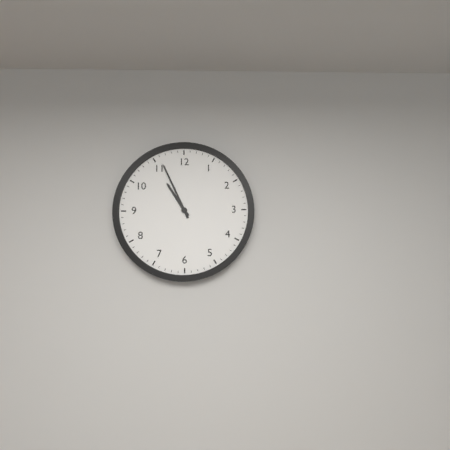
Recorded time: 10:56
